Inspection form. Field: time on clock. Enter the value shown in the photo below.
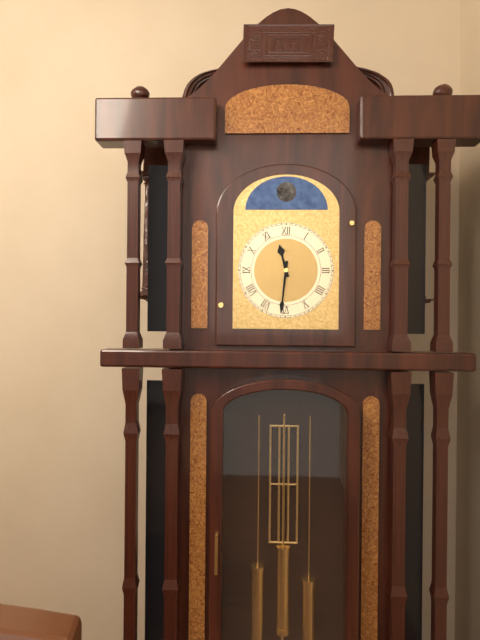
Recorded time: 11:31
